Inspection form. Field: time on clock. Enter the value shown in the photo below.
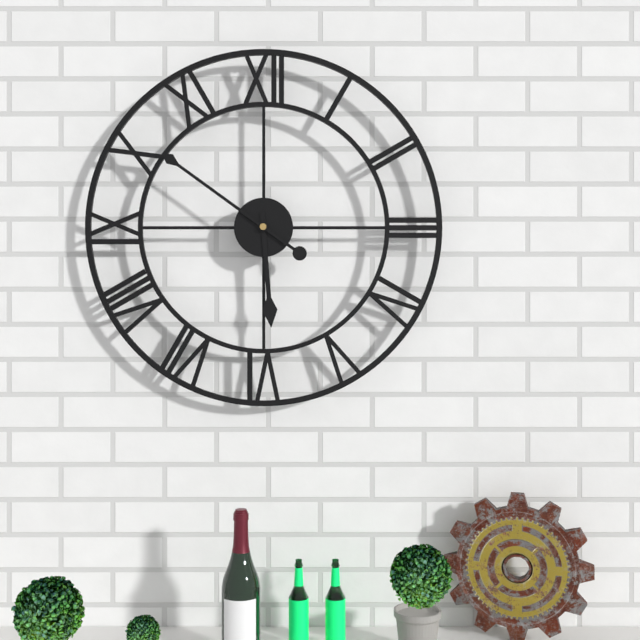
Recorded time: 5:51
